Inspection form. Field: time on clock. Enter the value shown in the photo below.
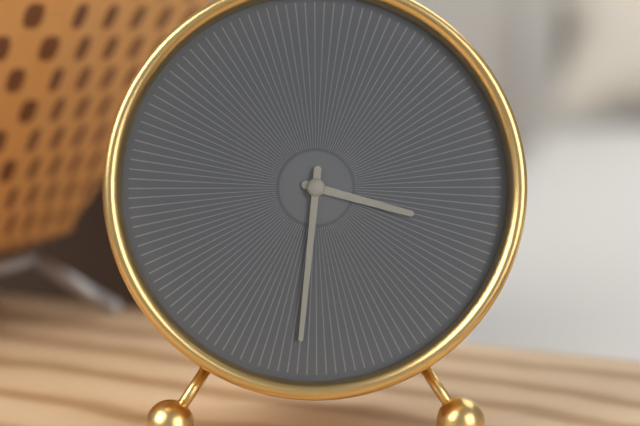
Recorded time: 3:31
